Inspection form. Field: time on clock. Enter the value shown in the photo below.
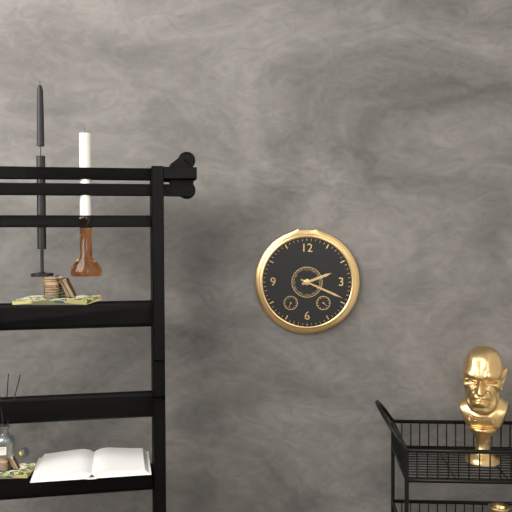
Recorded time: 2:19
